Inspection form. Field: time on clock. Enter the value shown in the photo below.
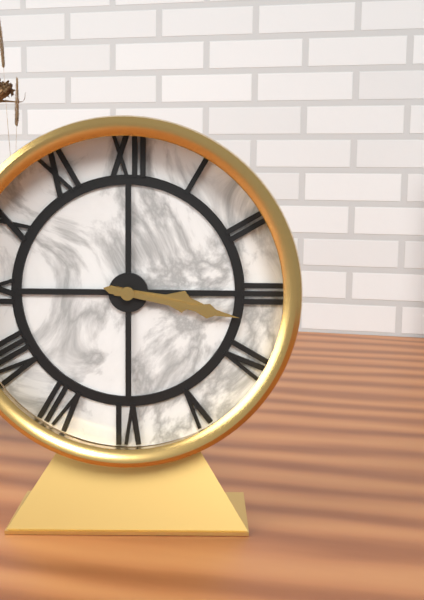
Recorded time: 3:17
